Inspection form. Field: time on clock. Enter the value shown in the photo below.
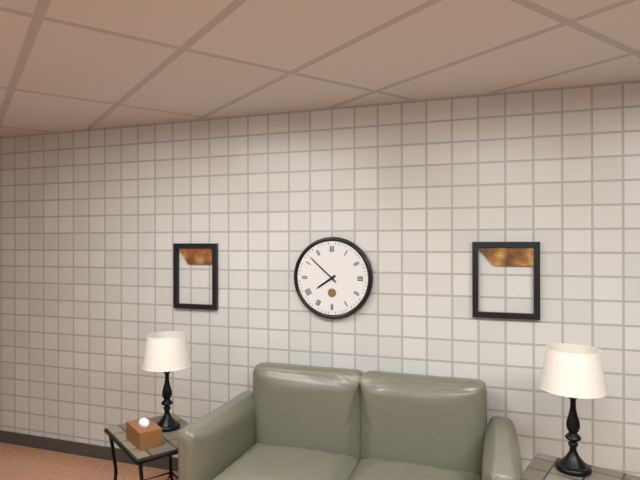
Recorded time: 7:52
